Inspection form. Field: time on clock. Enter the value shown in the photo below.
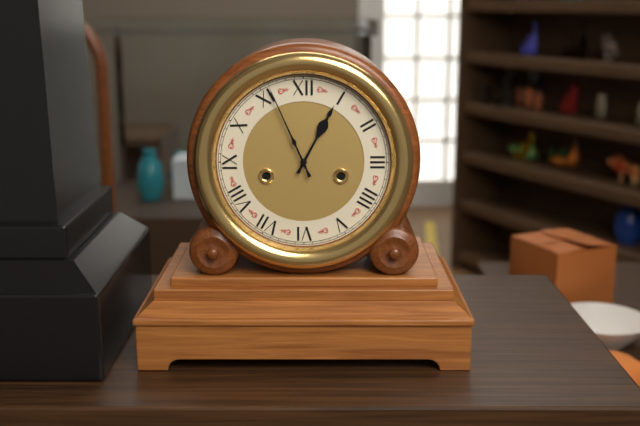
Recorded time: 12:56
